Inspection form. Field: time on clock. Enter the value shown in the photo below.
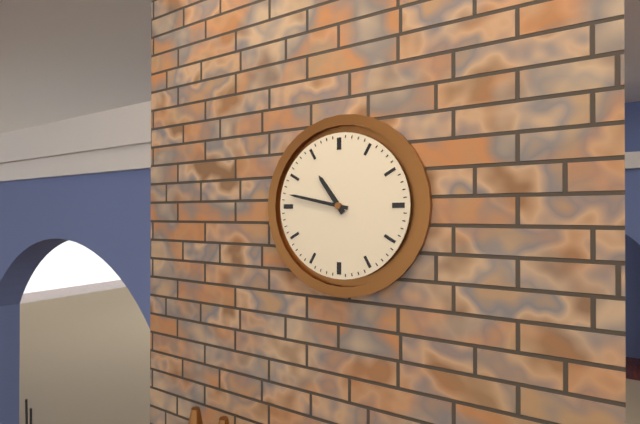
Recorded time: 10:47
